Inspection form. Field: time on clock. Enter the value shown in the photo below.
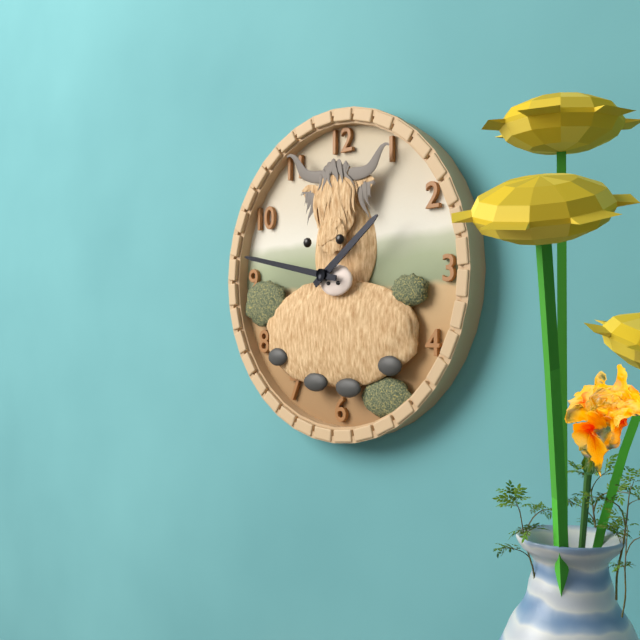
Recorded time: 1:47
